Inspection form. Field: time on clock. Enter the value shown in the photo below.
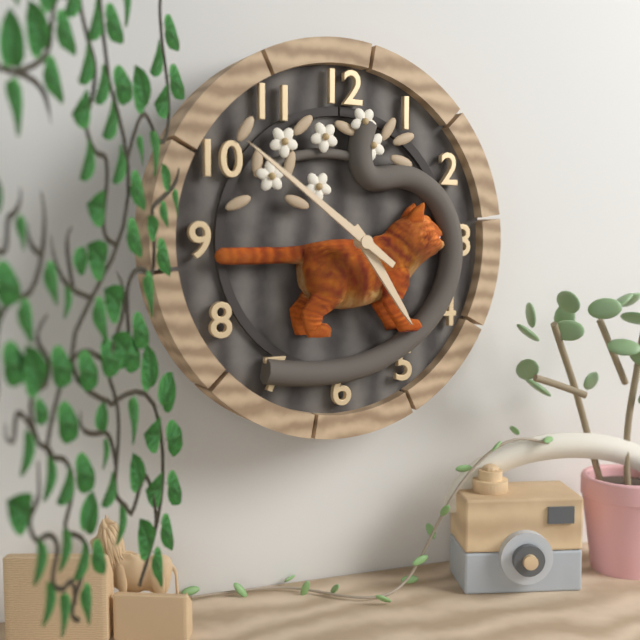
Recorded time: 4:51
